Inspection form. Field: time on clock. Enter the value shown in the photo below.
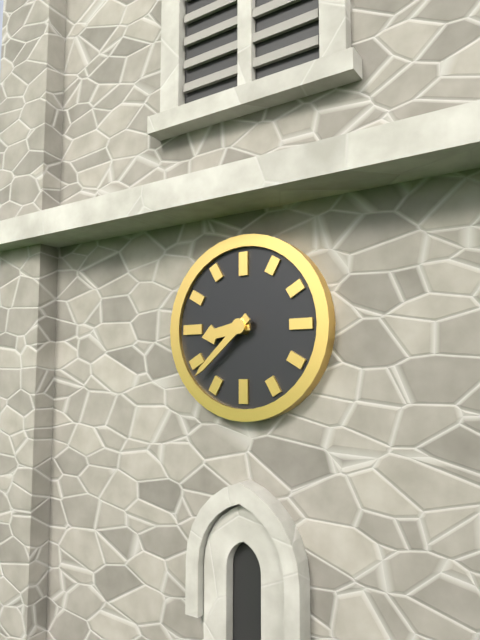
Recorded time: 8:38
